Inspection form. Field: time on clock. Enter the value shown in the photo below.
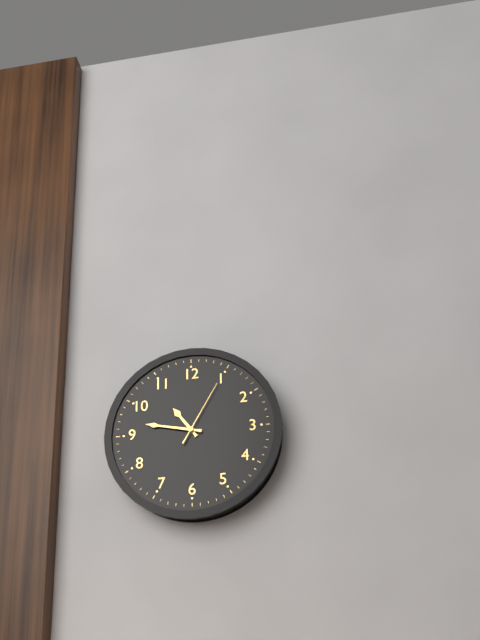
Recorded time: 10:47:05
